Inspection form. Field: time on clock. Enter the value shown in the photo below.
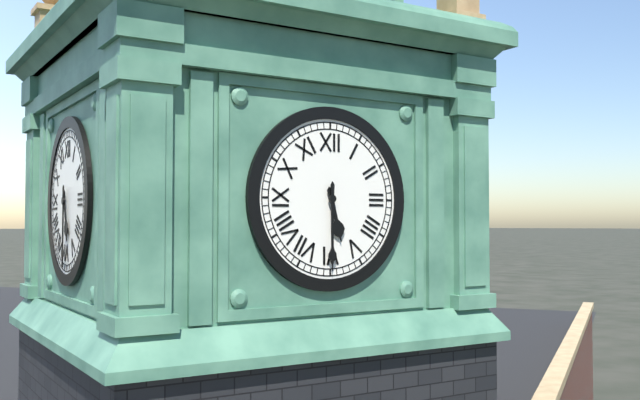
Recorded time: 5:30
